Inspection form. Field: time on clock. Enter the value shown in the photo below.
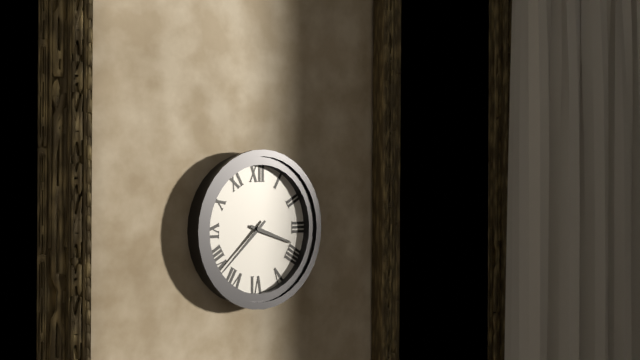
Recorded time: 3:38
